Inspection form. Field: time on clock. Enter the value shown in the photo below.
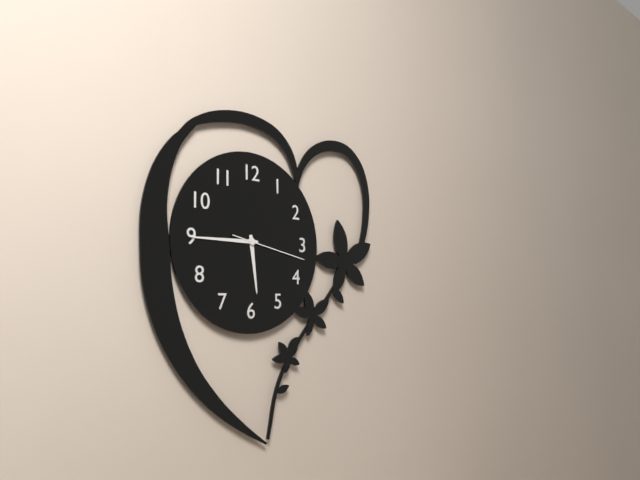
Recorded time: 5:45:17
